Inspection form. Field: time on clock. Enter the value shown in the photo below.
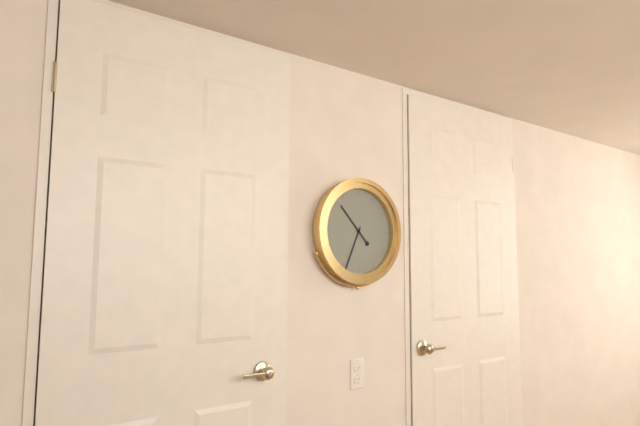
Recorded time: 10:34
